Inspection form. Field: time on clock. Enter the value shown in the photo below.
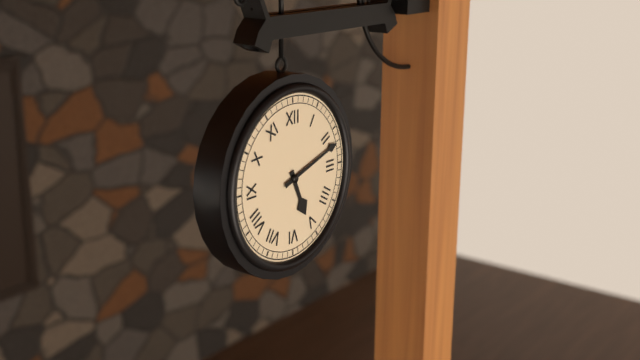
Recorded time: 5:12
